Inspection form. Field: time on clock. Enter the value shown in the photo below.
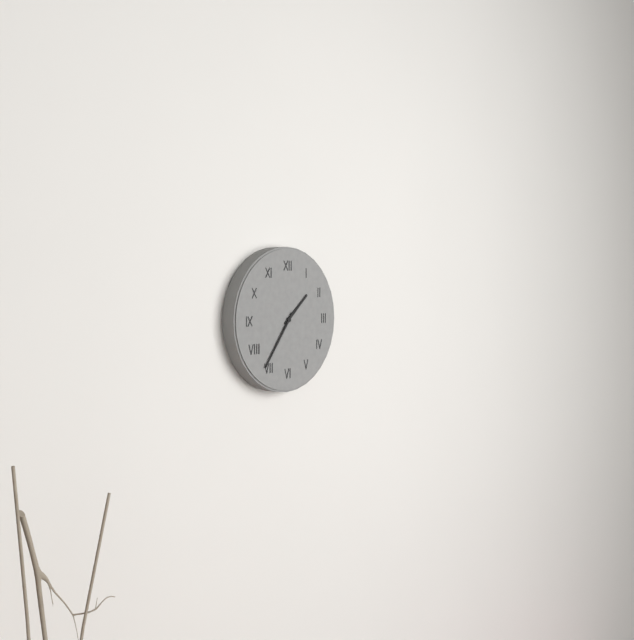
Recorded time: 1:36
